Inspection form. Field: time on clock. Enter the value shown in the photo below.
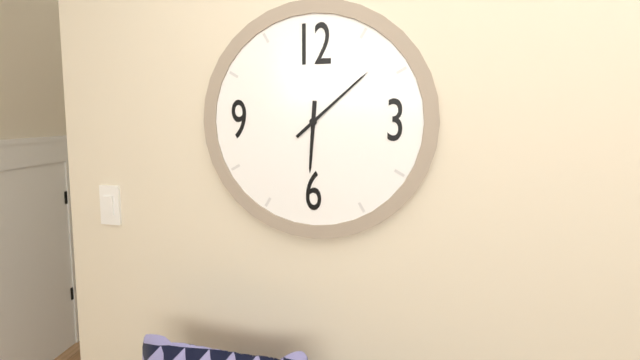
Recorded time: 6:08
